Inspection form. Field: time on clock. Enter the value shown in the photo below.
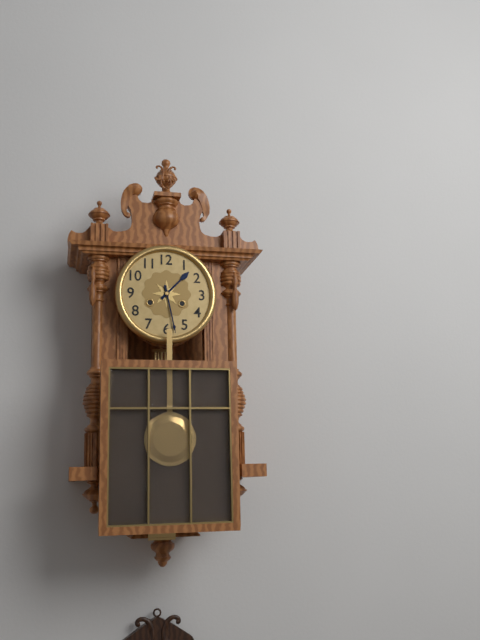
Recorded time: 1:28
